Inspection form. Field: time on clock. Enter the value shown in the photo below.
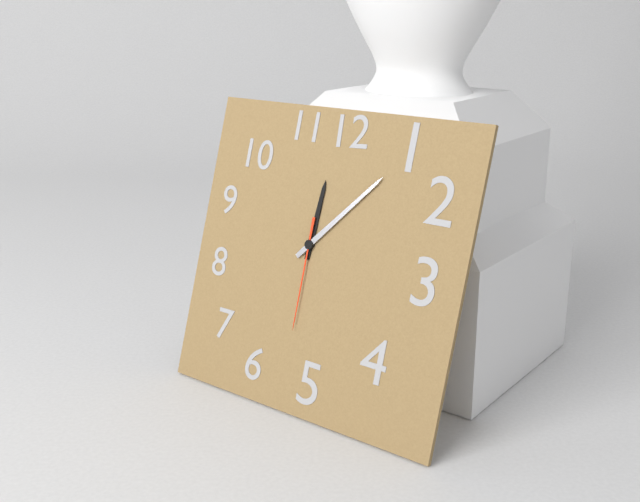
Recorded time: 12:07:30
